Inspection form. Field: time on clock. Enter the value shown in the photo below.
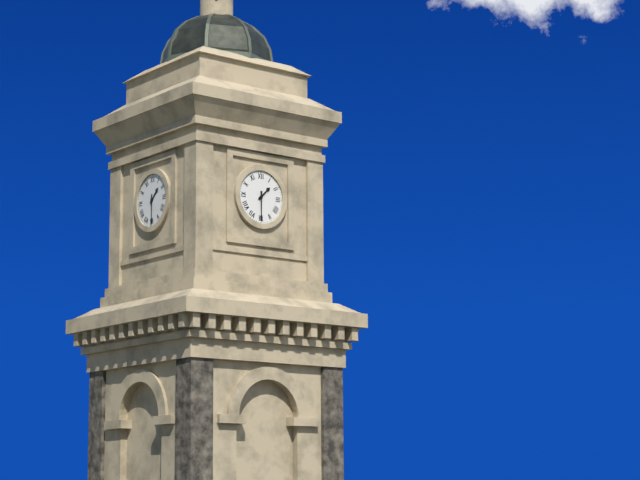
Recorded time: 1:30
